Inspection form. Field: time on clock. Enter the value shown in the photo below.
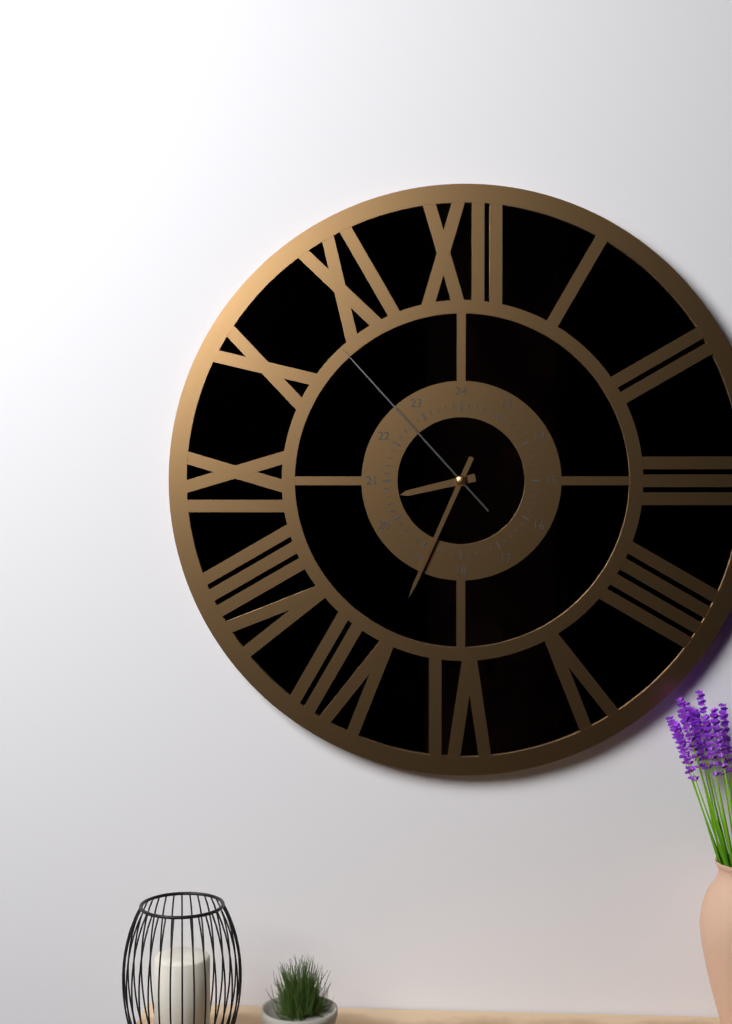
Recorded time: 8:34:53
